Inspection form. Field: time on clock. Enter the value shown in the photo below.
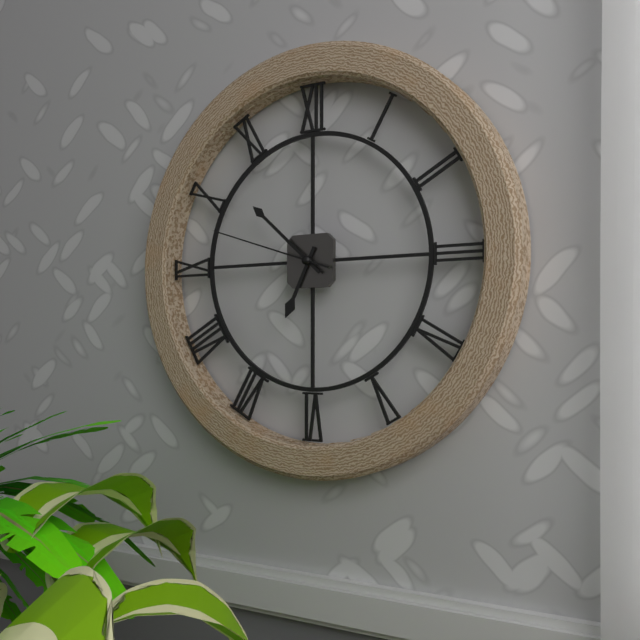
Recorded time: 6:52:48
